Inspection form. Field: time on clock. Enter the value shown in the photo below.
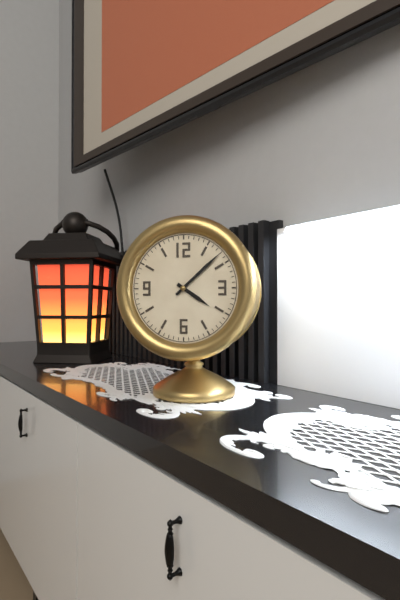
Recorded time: 4:08
